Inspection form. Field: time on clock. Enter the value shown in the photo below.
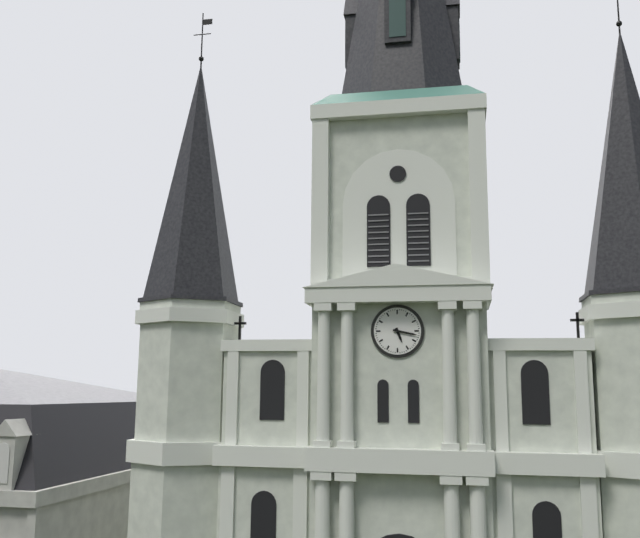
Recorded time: 5:17
